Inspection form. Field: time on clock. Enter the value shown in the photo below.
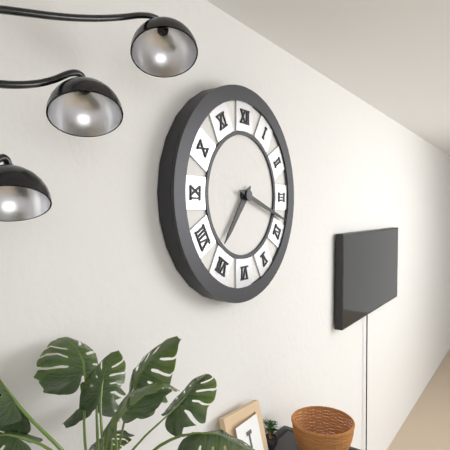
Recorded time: 7:18
